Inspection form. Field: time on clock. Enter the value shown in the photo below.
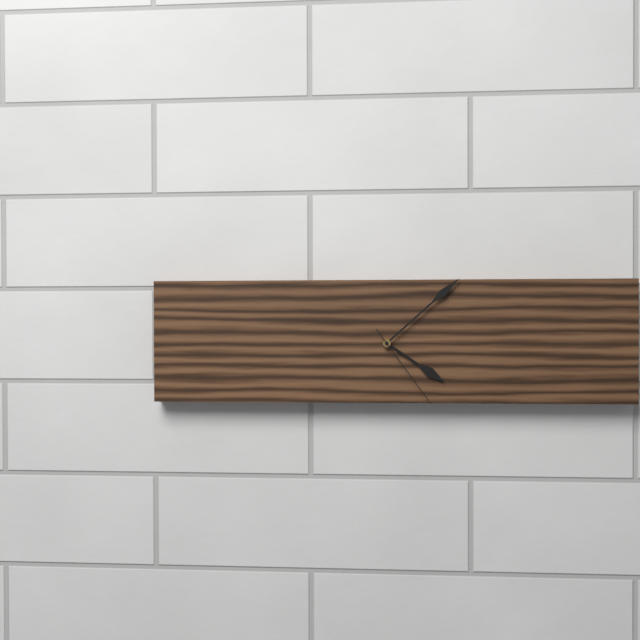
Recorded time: 4:08:24
